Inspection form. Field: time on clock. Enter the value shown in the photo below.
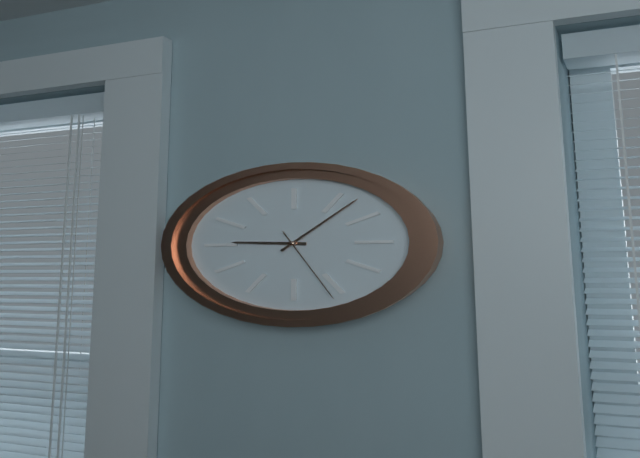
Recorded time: 9:07:26
